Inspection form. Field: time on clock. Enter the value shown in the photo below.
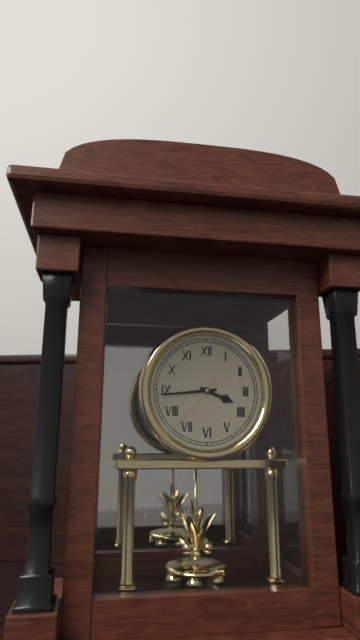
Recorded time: 3:44:37
